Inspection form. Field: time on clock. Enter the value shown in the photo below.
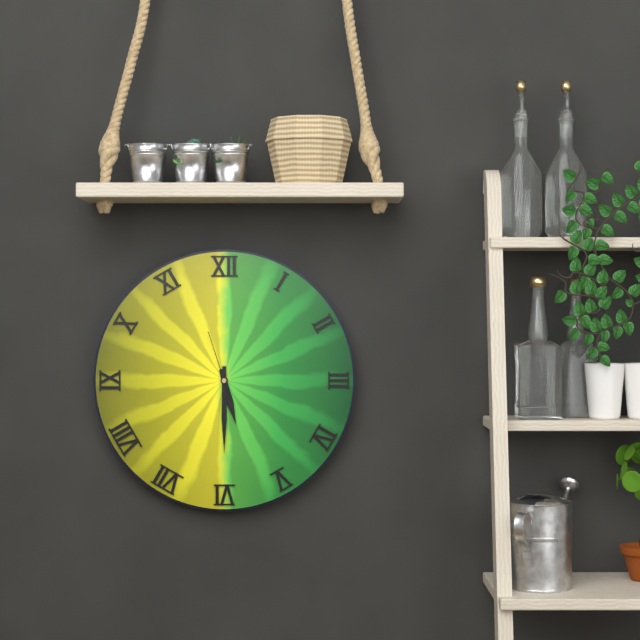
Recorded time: 5:30:57
